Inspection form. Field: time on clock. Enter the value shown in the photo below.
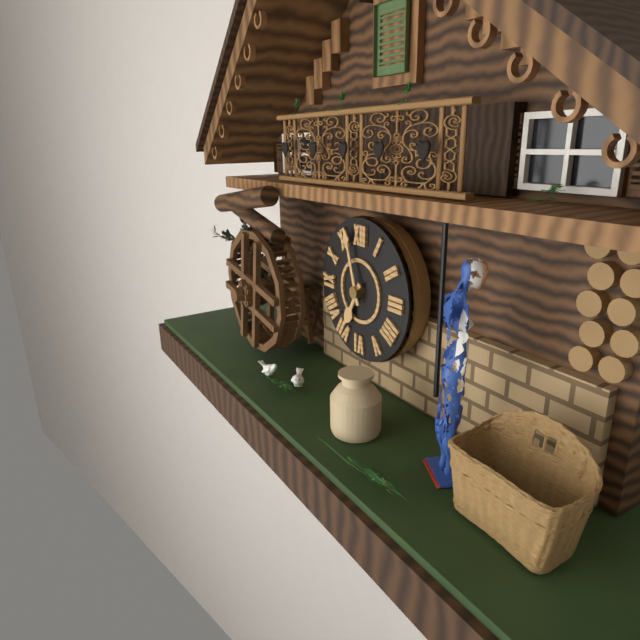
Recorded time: 6:57
